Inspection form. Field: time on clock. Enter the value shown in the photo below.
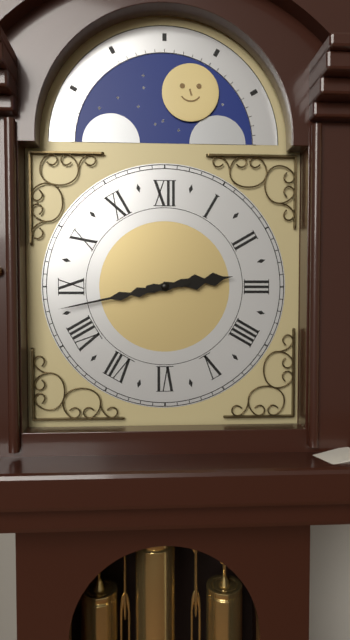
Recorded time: 2:43
